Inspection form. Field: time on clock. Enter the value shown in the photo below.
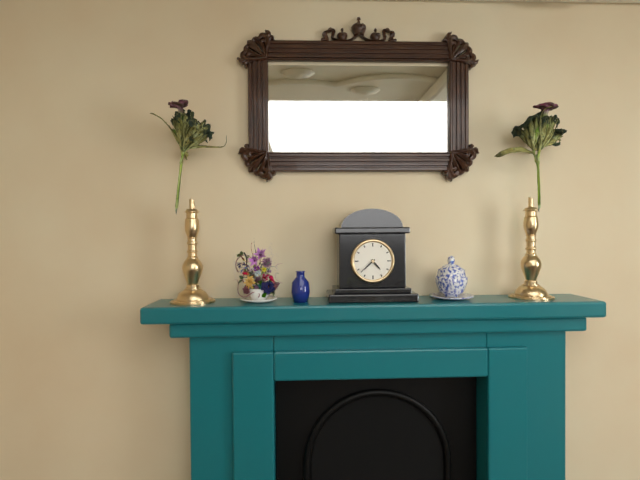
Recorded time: 4:38
